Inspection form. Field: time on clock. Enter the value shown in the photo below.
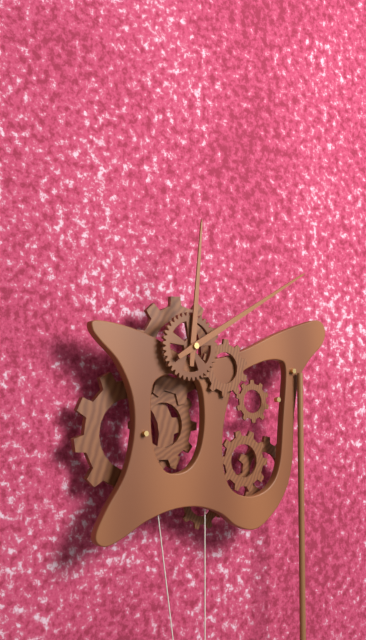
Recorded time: 12:10
